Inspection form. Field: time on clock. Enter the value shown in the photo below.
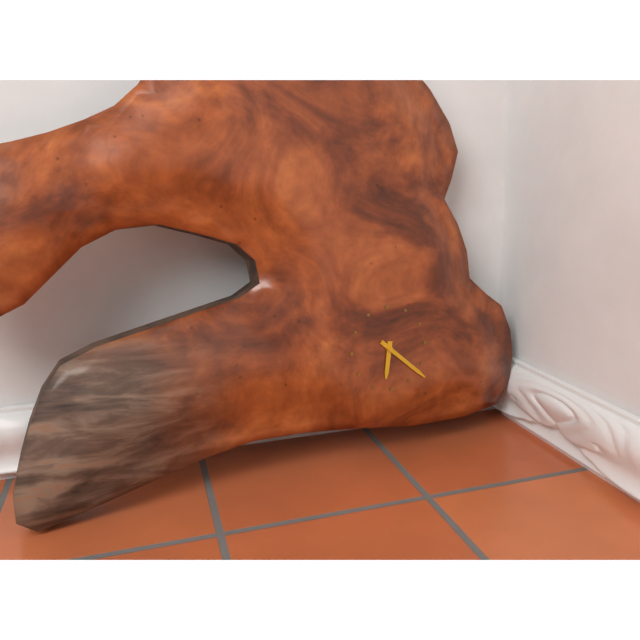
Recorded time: 6:22
